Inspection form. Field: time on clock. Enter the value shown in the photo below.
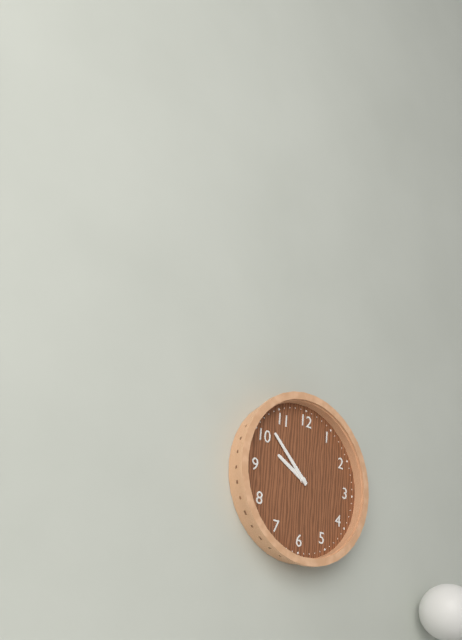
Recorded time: 9:52
